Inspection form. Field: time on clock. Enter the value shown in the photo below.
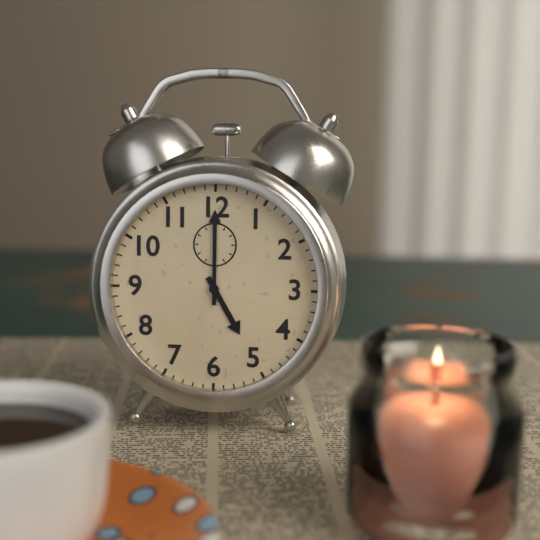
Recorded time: 5:00
